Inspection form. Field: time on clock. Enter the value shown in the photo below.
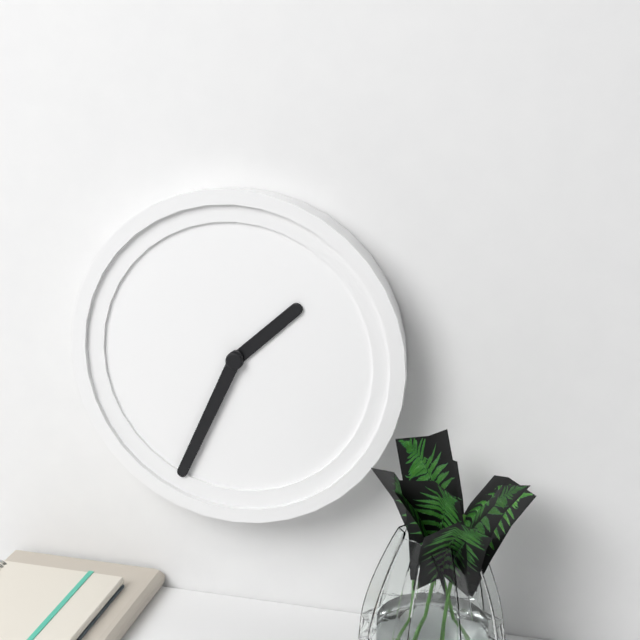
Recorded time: 1:34
